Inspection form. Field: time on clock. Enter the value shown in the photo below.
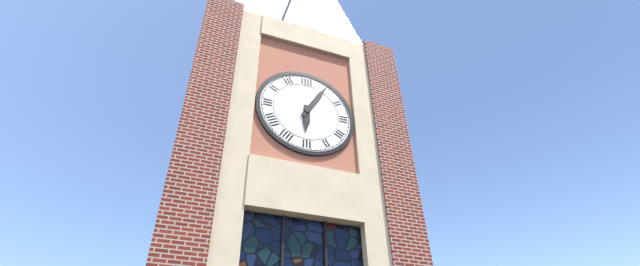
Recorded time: 6:05
